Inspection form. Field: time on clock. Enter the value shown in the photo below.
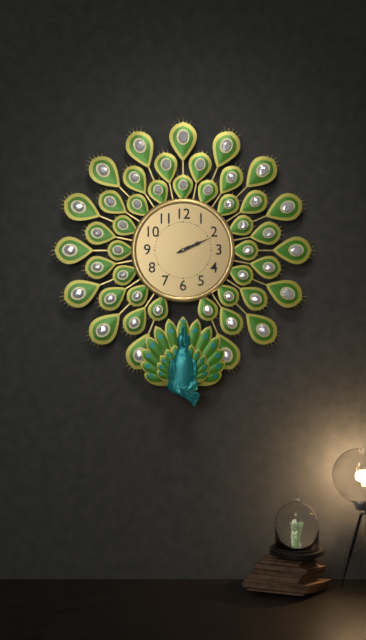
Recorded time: 2:11
